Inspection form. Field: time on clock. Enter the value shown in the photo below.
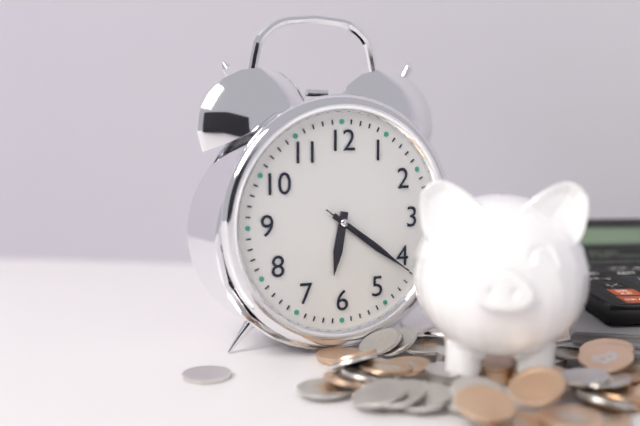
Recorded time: 6:21:21
